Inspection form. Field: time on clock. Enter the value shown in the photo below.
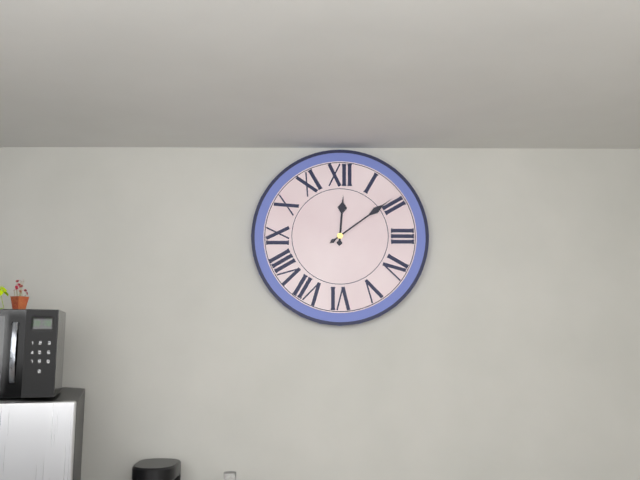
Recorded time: 12:09
